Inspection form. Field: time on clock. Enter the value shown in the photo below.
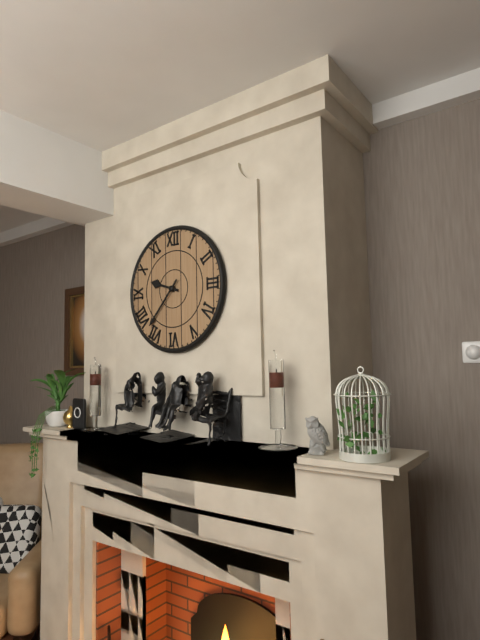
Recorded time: 9:37
